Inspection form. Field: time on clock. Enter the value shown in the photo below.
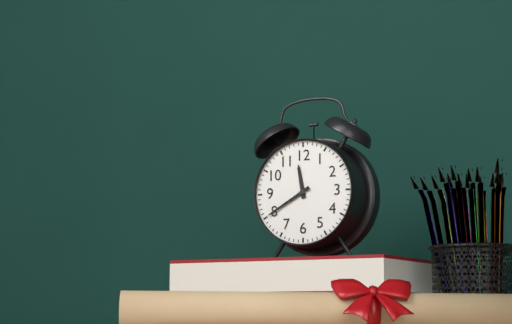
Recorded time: 11:40
